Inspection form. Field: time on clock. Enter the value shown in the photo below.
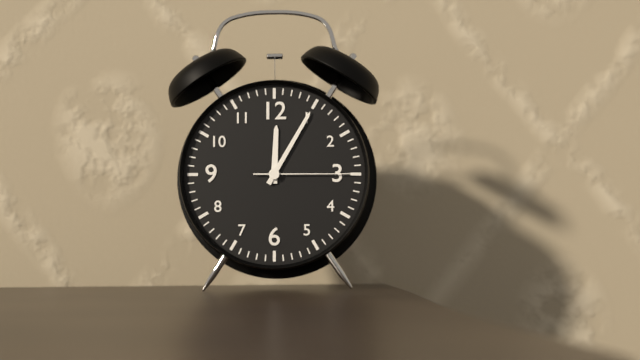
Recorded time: 12:05:15
